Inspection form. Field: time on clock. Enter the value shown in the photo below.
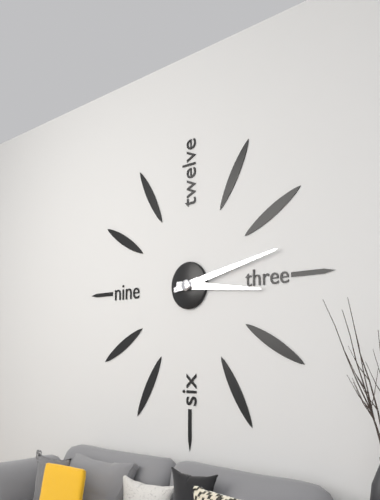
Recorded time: 3:13
